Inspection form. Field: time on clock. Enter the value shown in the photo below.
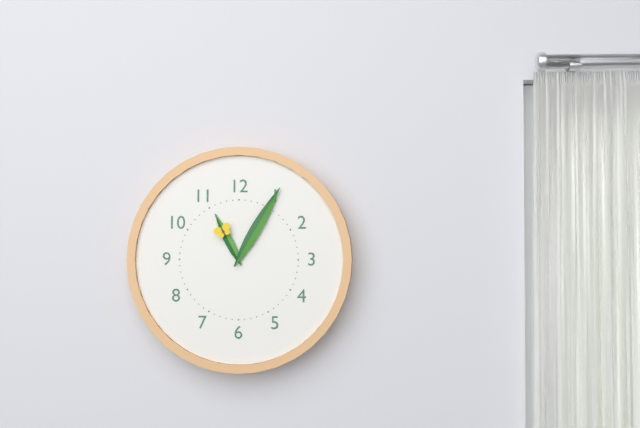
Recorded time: 11:05
